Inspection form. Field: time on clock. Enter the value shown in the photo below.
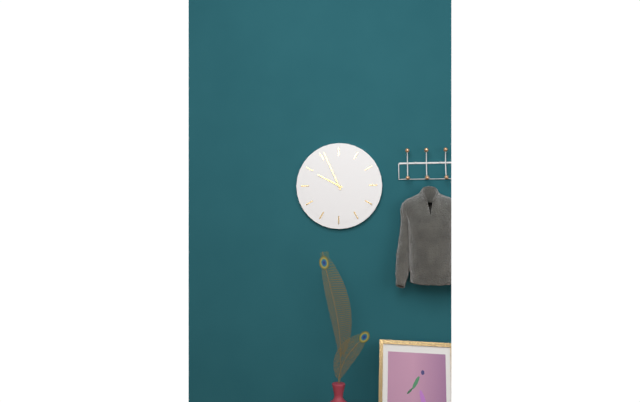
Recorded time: 9:56
